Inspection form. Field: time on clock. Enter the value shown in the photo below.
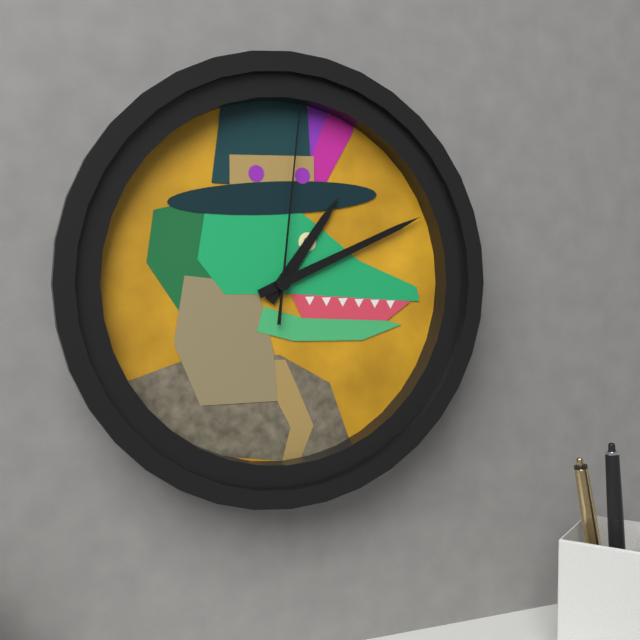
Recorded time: 1:11:01
